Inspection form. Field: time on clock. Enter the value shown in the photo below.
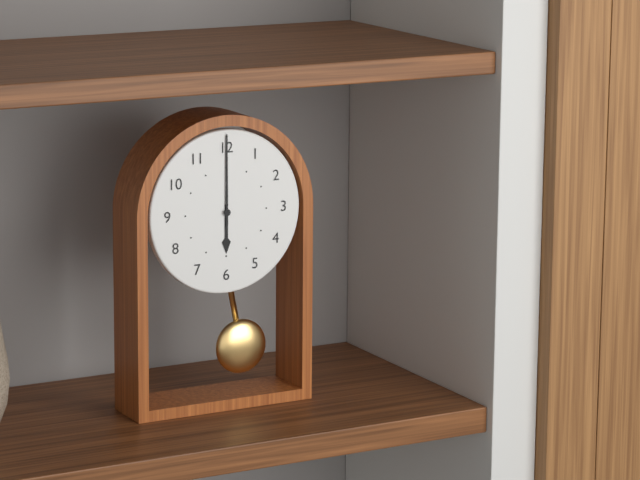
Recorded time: 6:00
